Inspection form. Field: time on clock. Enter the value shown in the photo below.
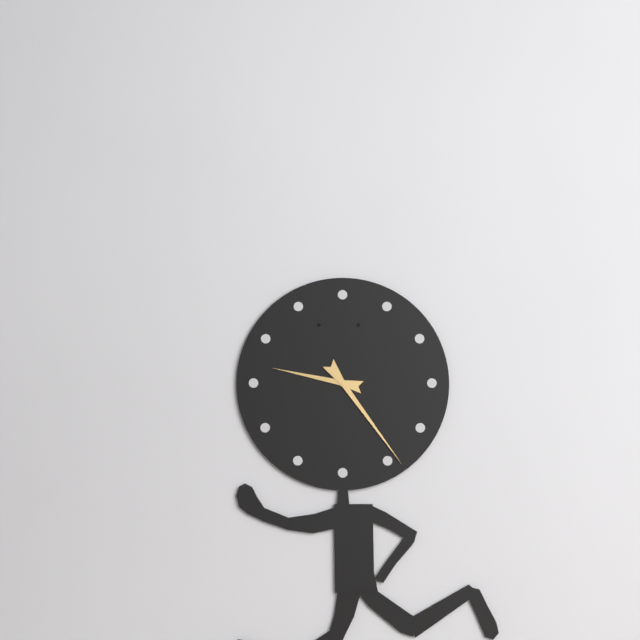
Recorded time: 9:24
